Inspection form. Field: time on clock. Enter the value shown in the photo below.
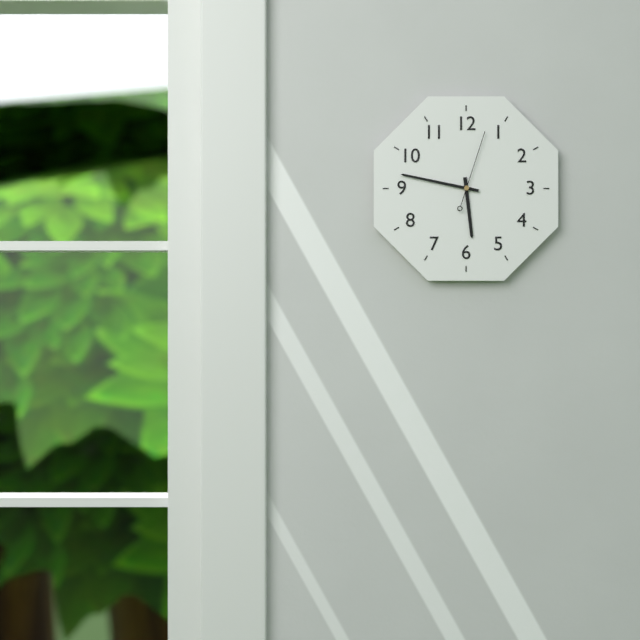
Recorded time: 5:47:03
